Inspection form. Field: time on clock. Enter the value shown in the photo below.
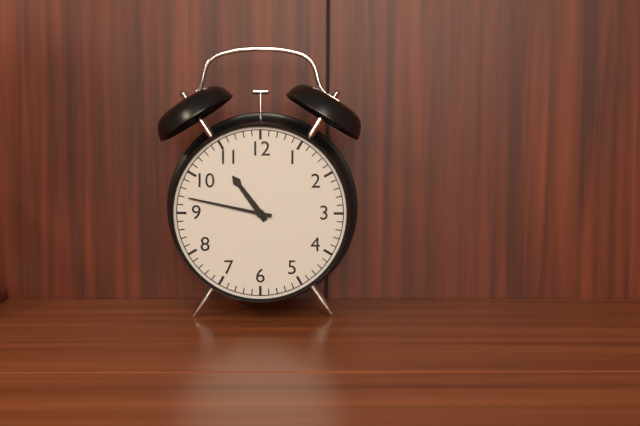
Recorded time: 10:47
